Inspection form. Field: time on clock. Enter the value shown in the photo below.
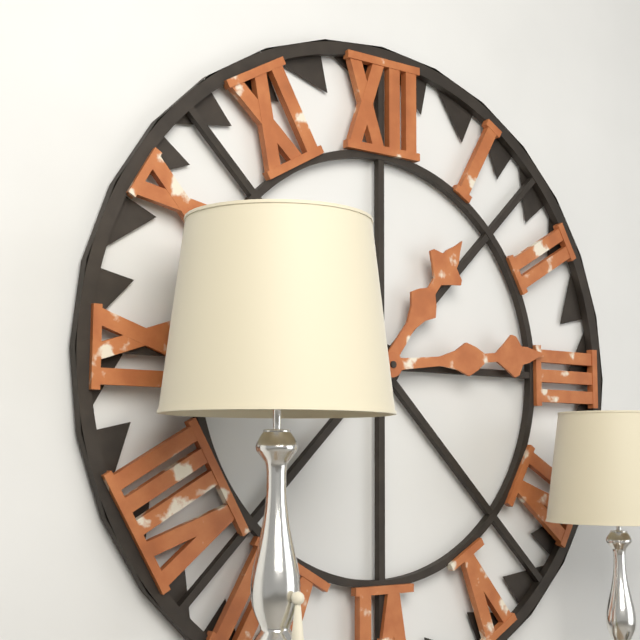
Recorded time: 1:14
